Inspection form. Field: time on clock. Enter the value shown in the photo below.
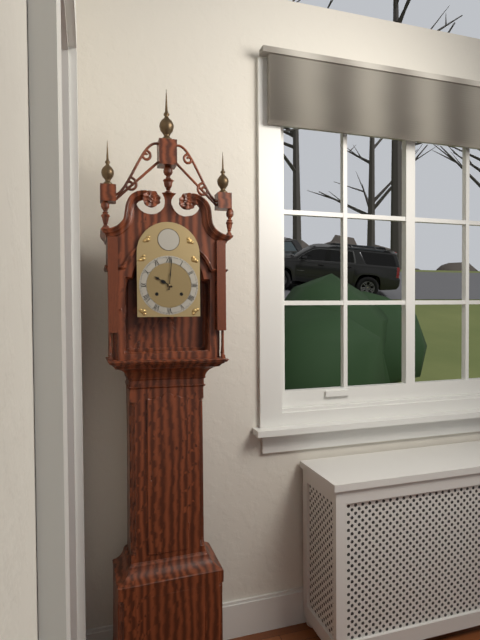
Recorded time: 10:01
